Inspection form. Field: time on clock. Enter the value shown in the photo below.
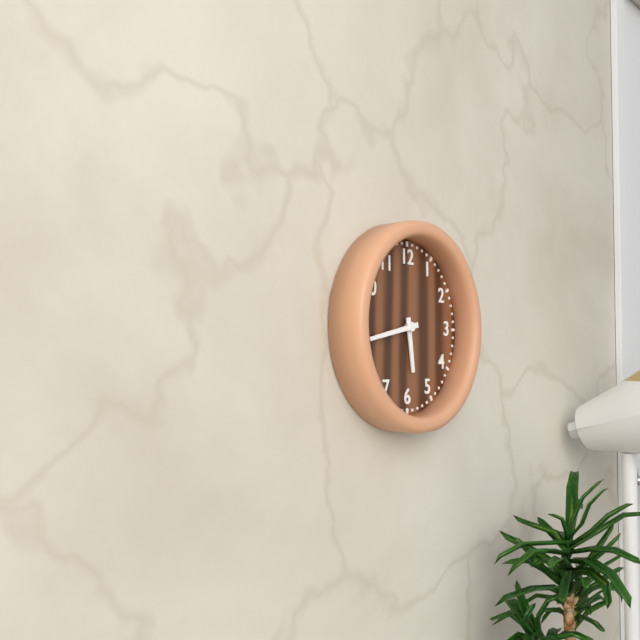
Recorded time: 5:43
